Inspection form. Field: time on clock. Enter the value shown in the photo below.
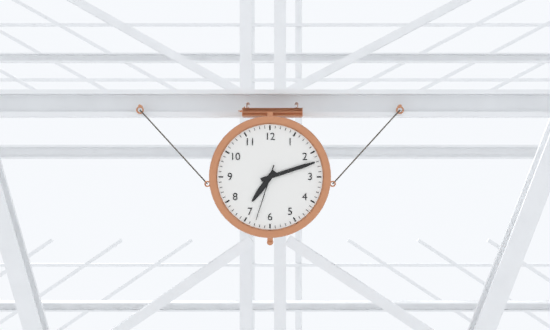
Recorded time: 7:12:33
